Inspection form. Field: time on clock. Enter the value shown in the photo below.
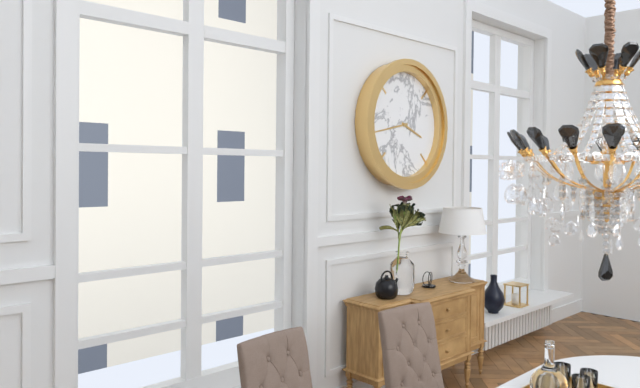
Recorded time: 3:43
